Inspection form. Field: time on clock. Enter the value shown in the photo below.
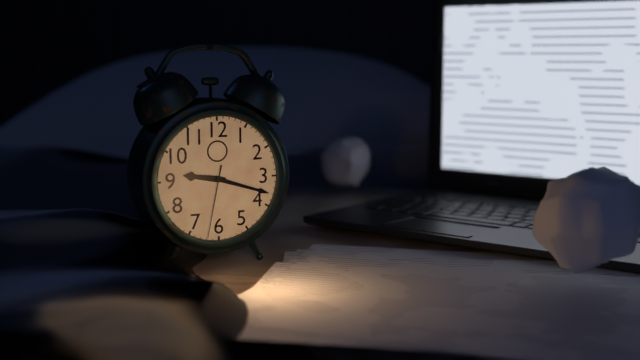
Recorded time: 9:18:32
